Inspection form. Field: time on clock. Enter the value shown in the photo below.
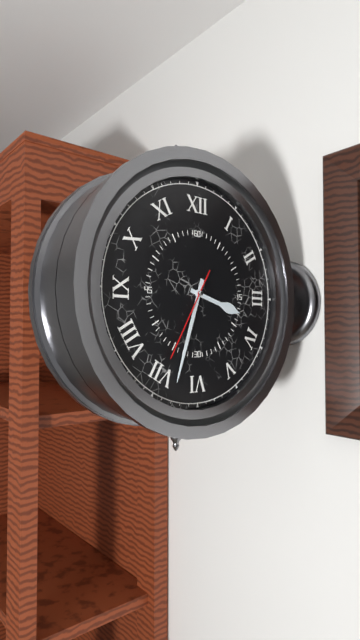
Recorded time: 3:33:35
